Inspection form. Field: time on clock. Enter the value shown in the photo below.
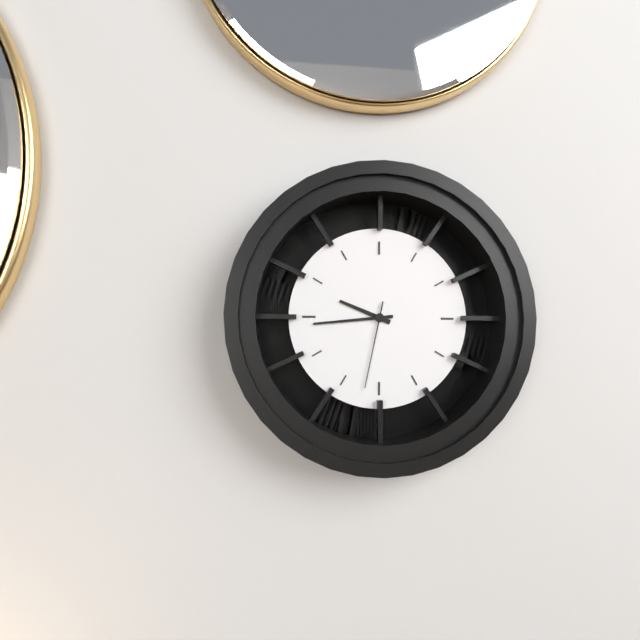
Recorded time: 9:44:32
